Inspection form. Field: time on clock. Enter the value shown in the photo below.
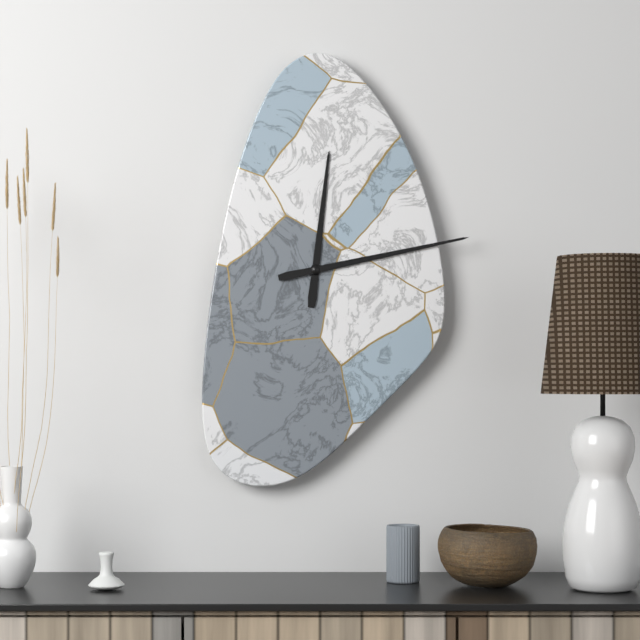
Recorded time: 12:13
